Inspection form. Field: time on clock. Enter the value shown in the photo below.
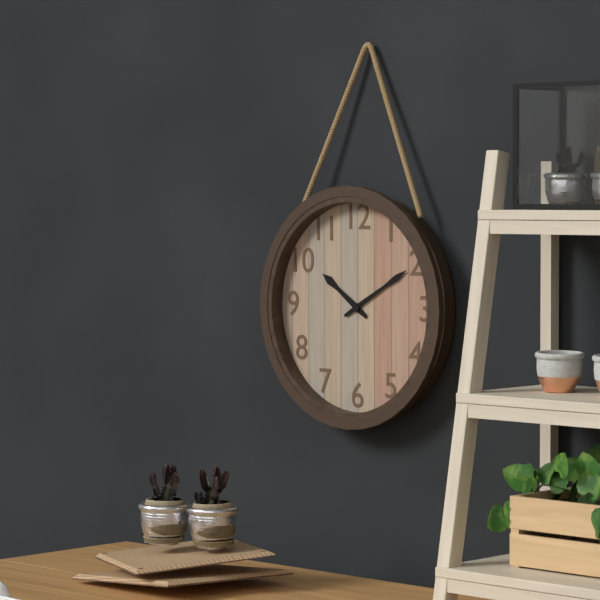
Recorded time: 10:10
